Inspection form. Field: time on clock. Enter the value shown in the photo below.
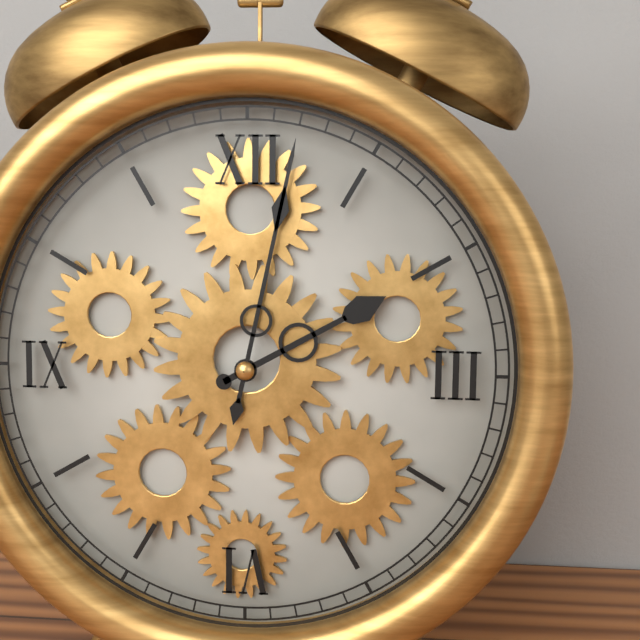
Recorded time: 2:02
